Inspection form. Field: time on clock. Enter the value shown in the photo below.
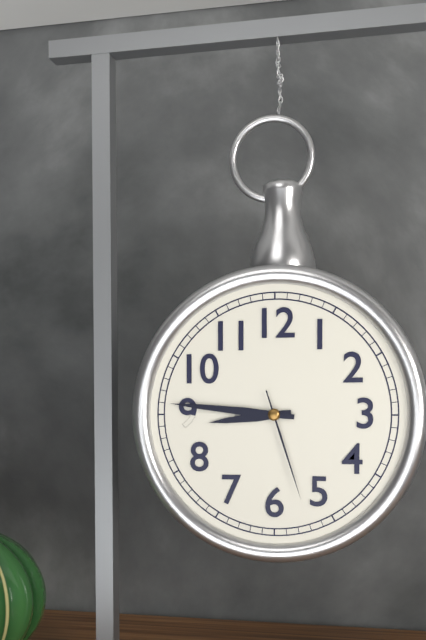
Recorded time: 8:46:27
